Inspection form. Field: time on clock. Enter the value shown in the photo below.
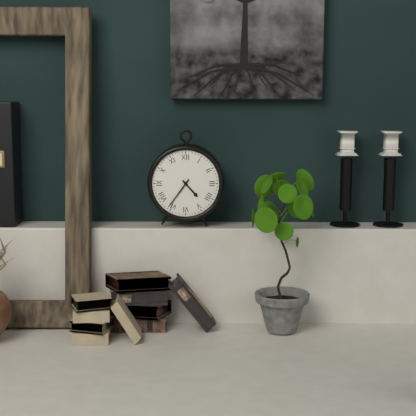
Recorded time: 4:36
